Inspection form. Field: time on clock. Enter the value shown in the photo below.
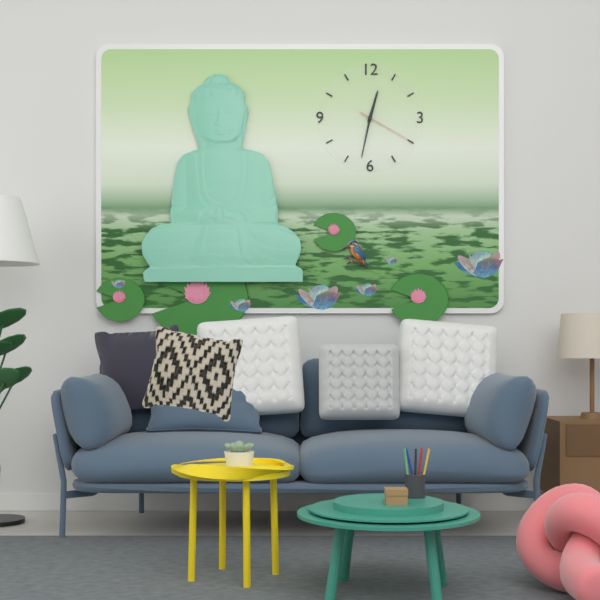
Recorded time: 12:32:20
